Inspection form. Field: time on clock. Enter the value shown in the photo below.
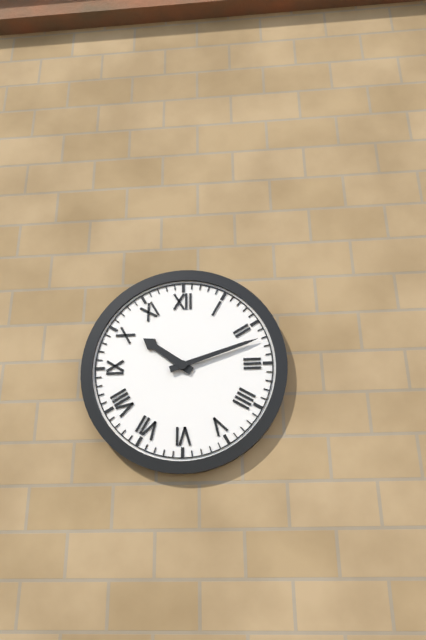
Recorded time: 10:12
